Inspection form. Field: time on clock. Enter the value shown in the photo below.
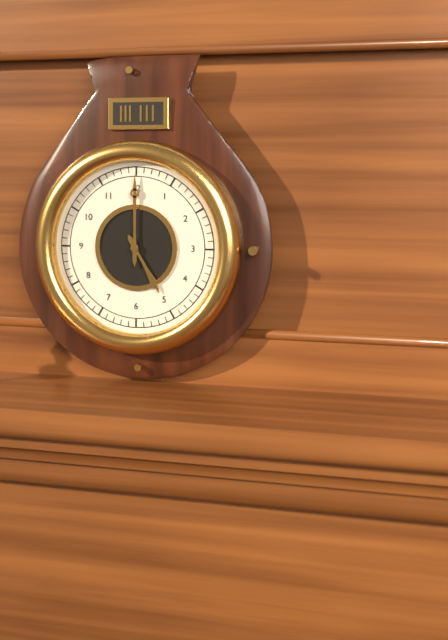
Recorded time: 5:00
